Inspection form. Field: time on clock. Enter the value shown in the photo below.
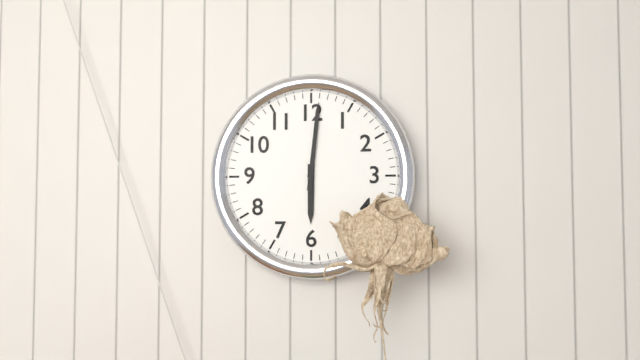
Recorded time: 6:01
